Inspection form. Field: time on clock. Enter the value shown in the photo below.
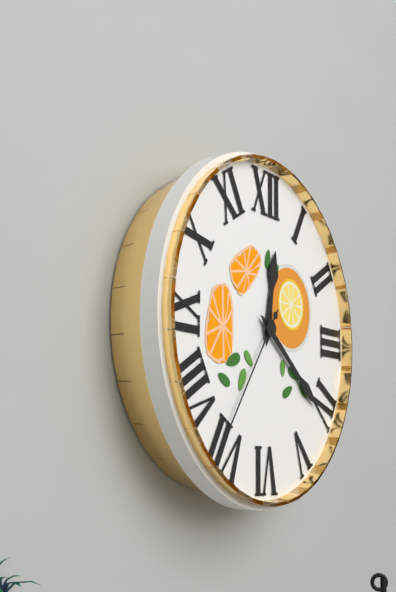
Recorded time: 12:21:36
